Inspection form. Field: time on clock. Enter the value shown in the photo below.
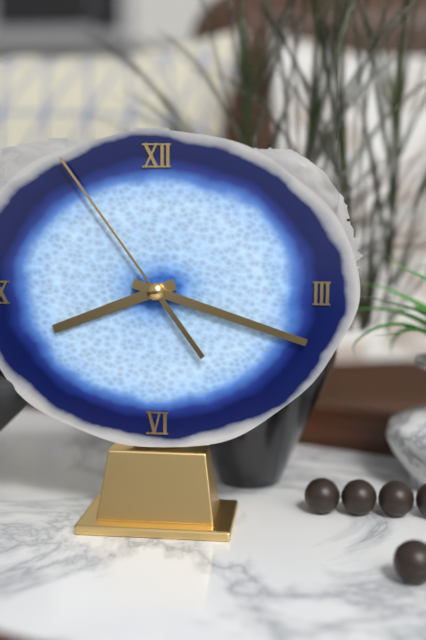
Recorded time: 8:18:54
